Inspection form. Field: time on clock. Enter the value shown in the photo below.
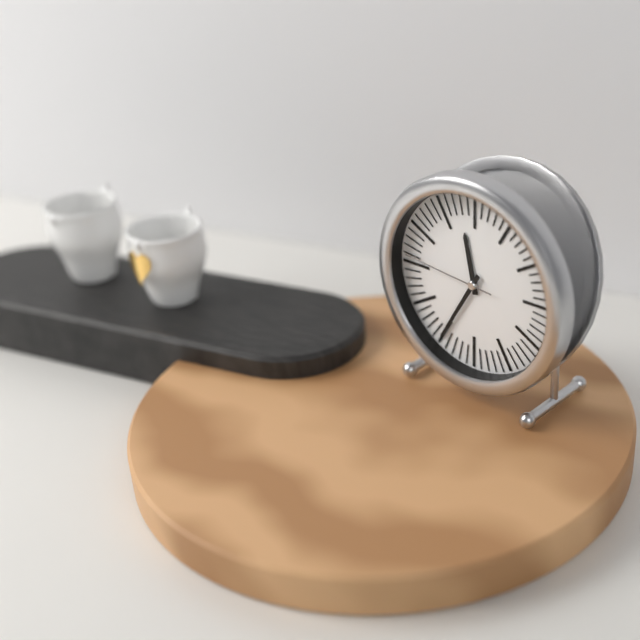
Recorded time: 11:35:46
